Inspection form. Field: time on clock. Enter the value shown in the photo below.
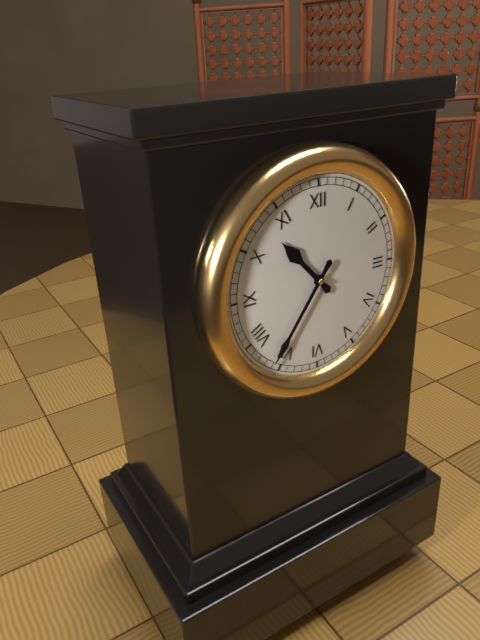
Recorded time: 10:36
